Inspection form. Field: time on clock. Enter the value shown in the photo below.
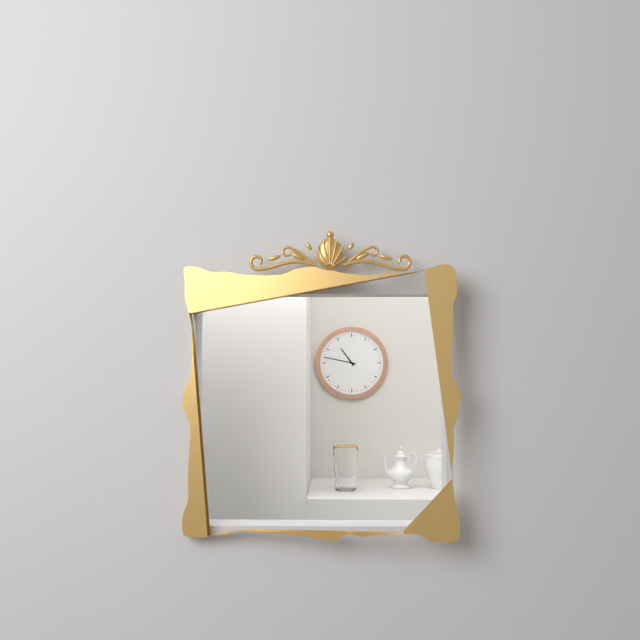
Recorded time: 10:47
